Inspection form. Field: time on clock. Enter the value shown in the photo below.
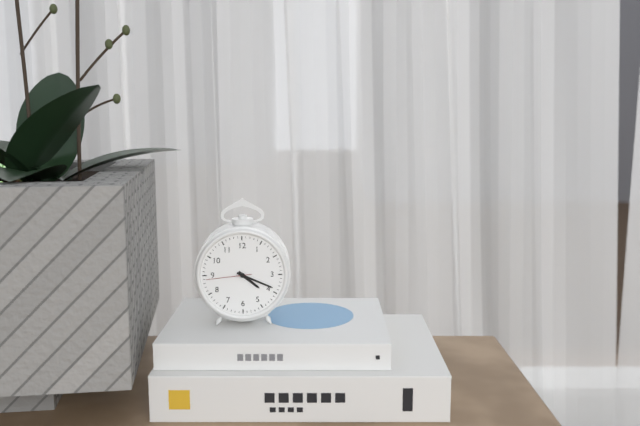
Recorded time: 4:19
